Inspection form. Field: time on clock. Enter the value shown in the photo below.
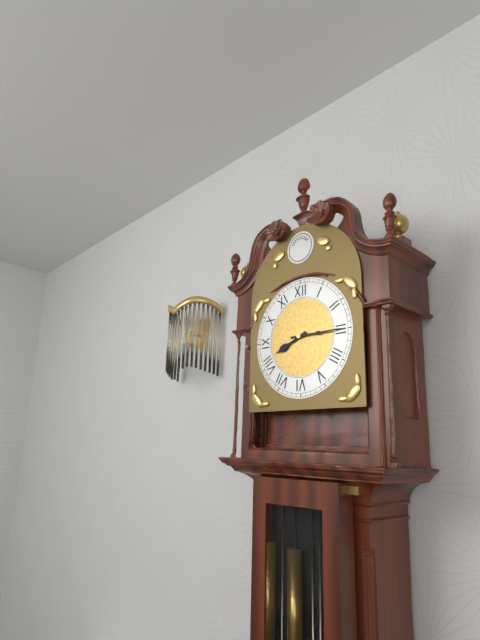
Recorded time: 8:15
